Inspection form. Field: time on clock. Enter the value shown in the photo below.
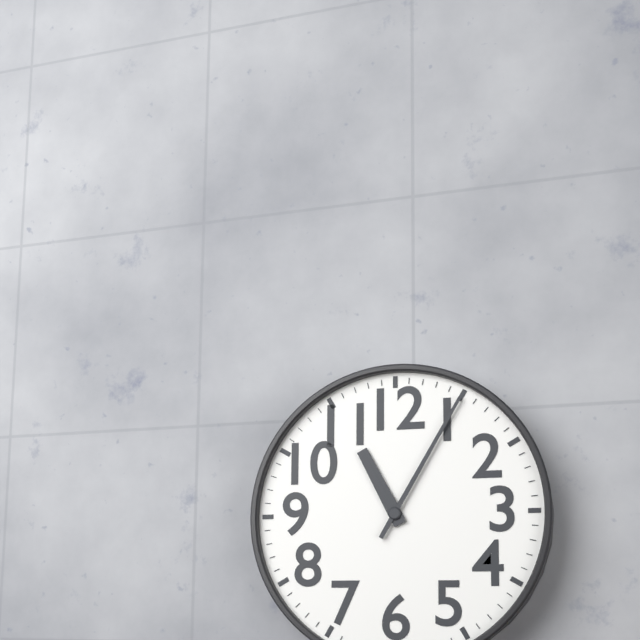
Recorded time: 11:05
